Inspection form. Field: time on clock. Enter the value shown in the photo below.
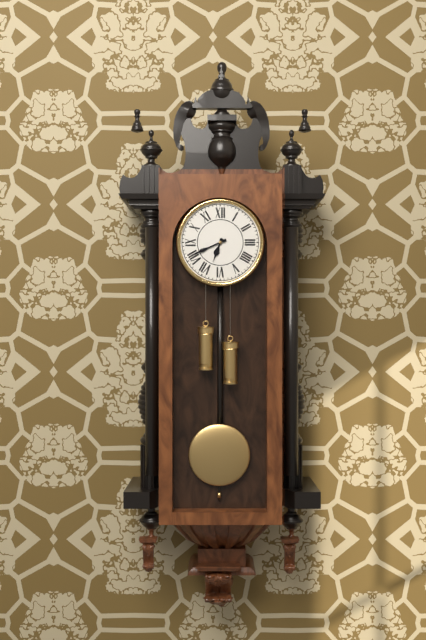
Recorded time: 6:41
